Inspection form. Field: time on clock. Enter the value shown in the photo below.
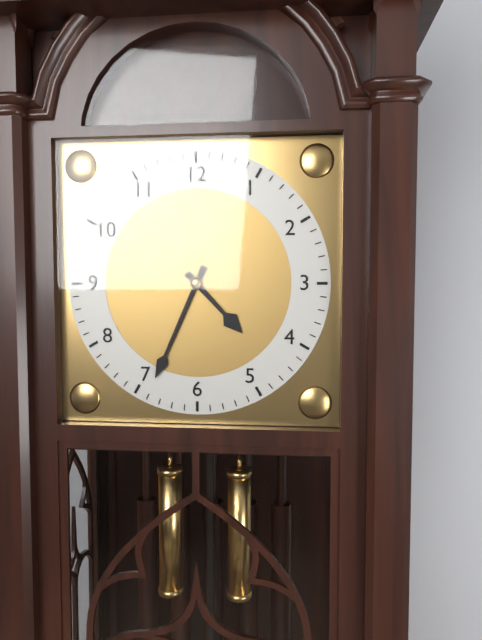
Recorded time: 4:34
